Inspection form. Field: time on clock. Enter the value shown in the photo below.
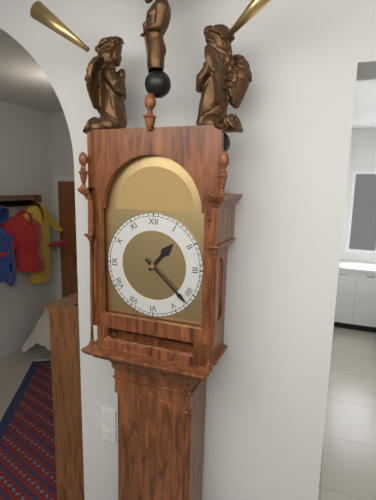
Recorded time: 1:22
